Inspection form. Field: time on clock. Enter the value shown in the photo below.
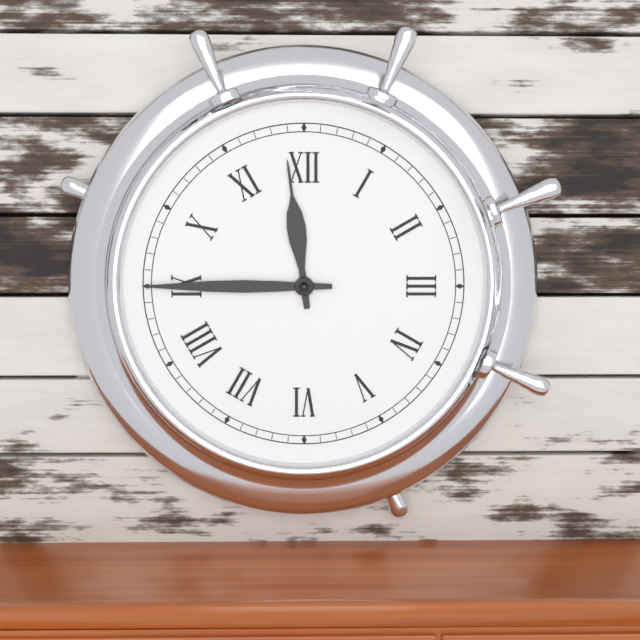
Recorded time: 11:45
